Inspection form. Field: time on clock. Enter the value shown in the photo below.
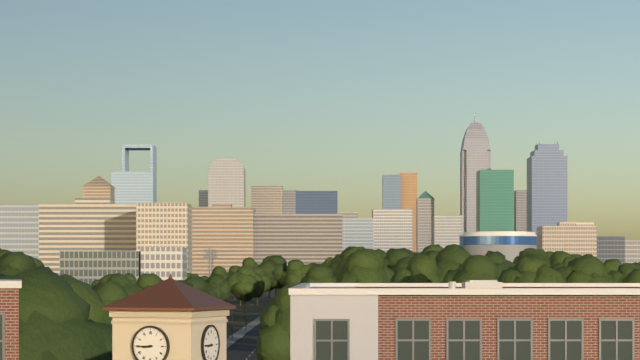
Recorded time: 8:45
